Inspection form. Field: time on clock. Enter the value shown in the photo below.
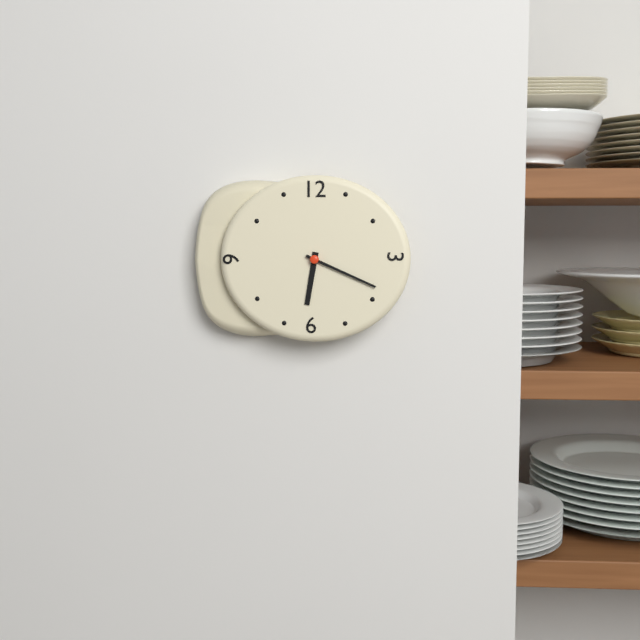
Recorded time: 6:19
